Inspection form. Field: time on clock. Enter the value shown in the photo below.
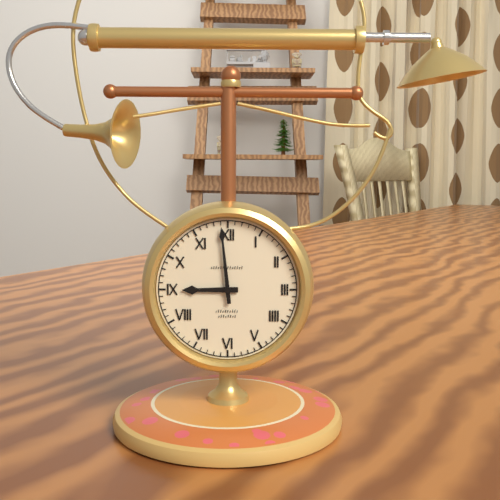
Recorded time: 8:59
